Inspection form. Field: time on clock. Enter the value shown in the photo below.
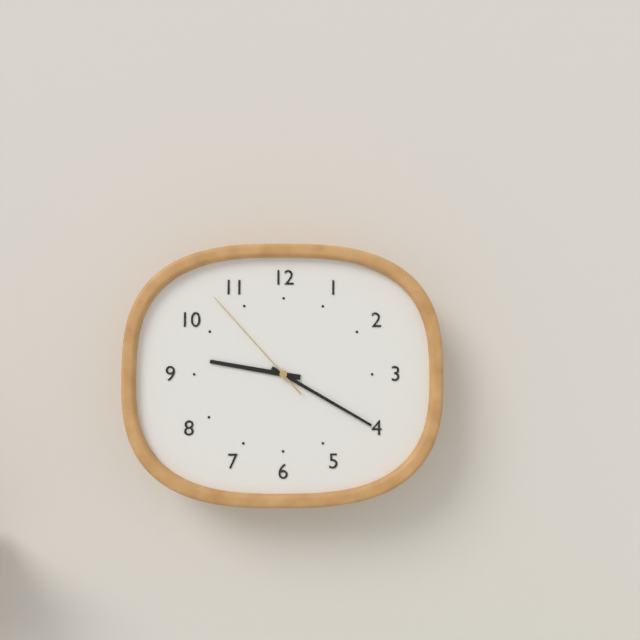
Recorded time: 9:20:53
